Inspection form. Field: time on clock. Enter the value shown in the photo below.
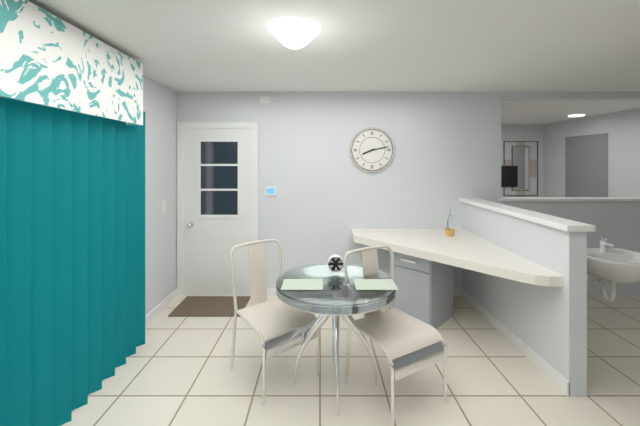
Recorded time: 8:13
